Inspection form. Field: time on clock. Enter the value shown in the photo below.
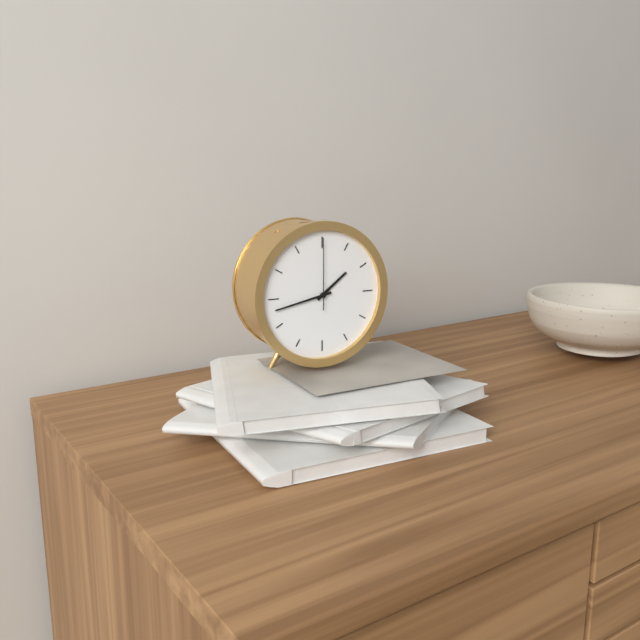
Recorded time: 1:43:00
